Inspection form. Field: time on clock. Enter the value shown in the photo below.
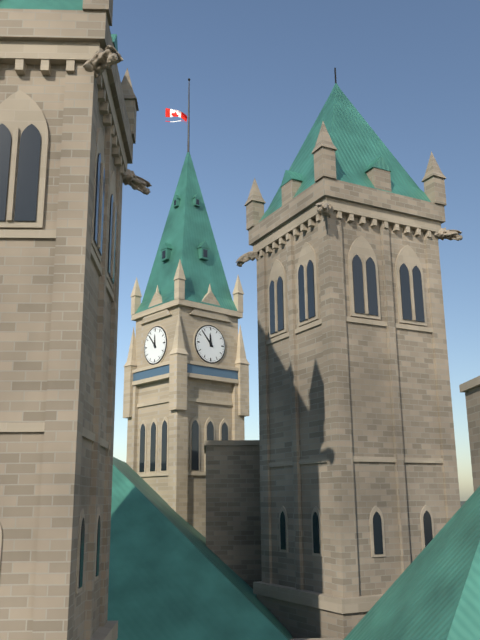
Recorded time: 11:53
